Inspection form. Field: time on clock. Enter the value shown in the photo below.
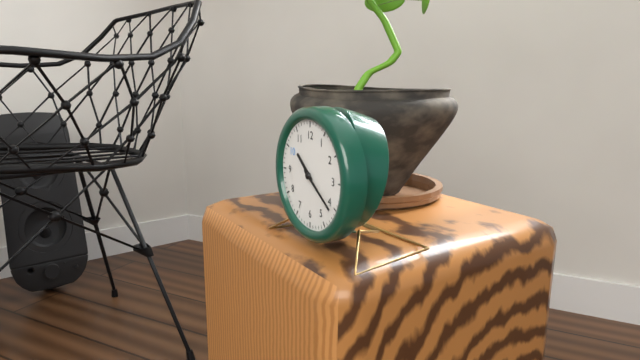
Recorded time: 10:21
